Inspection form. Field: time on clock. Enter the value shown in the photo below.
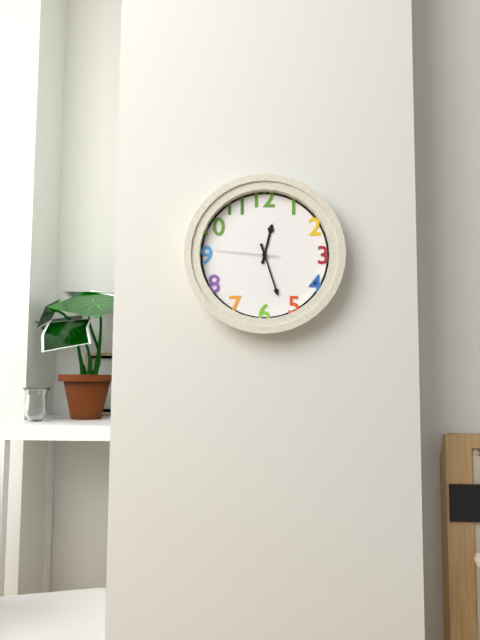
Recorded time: 12:27:46
